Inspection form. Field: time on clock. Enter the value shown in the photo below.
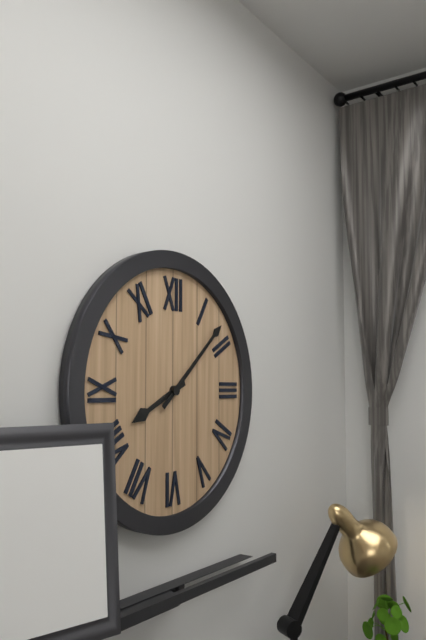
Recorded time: 8:08
